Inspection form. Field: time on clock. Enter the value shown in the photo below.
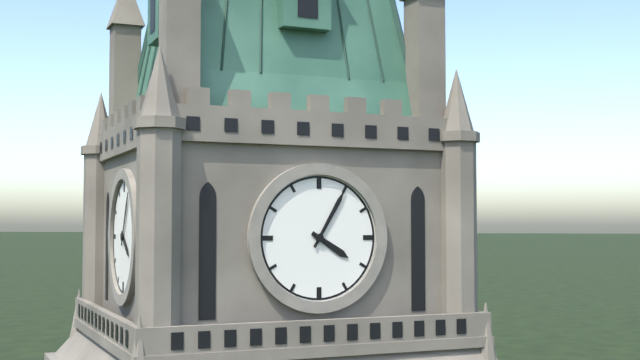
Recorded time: 4:05
